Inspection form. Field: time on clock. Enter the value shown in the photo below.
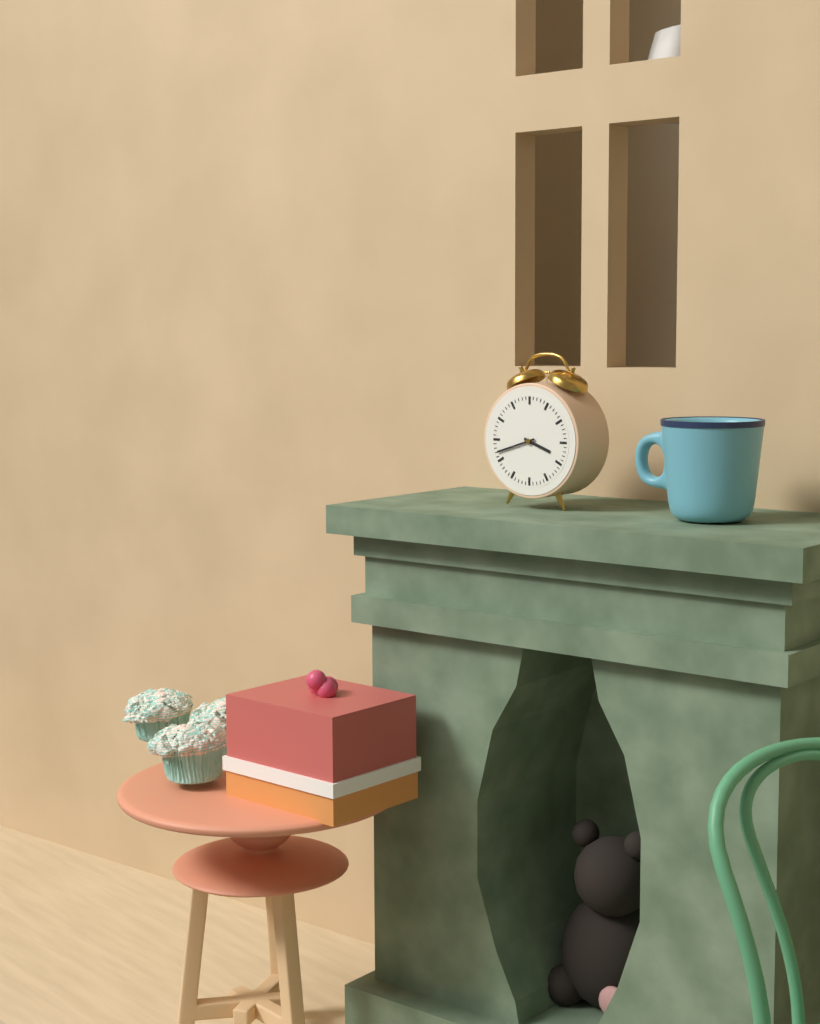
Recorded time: 3:42
